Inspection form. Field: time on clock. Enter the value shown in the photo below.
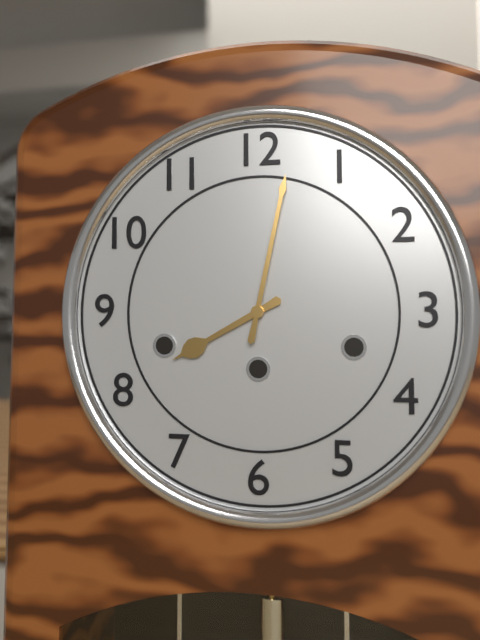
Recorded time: 8:02
